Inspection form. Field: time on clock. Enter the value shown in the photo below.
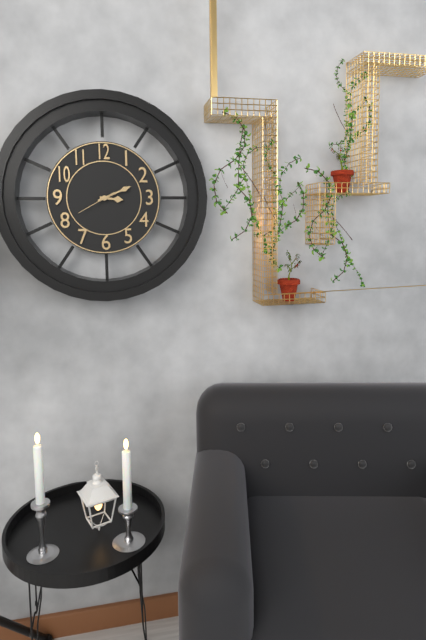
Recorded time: 3:11
